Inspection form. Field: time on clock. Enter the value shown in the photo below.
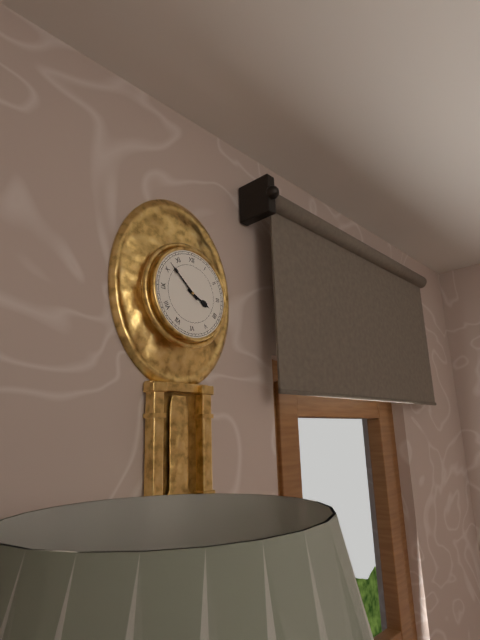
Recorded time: 3:52
